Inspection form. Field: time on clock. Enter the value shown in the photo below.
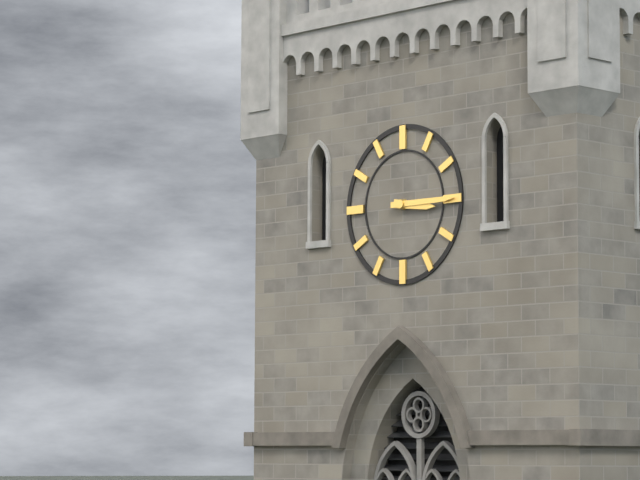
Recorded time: 3:15
